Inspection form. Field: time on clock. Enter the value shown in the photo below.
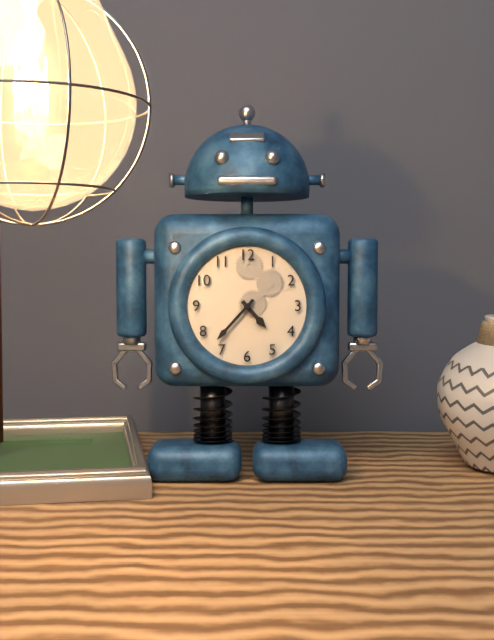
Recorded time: 4:37
